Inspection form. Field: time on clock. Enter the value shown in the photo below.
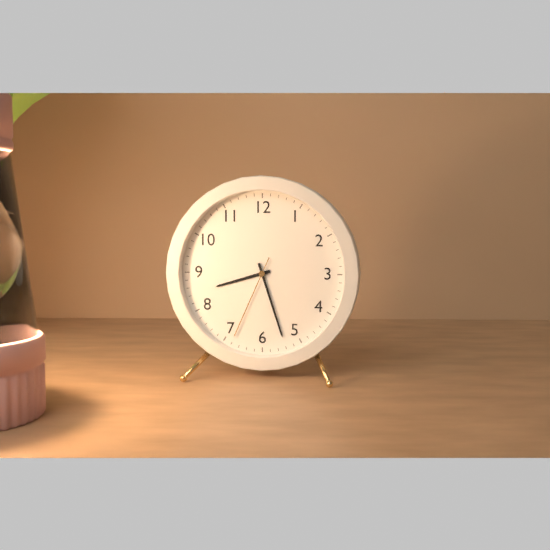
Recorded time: 8:27:34
